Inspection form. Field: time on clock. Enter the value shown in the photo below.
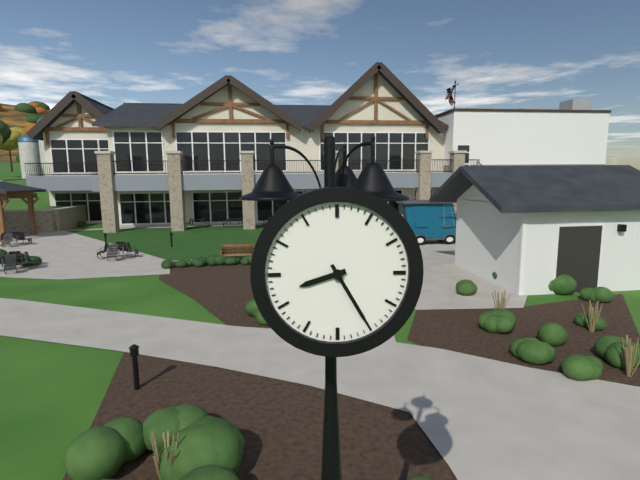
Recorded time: 8:25
